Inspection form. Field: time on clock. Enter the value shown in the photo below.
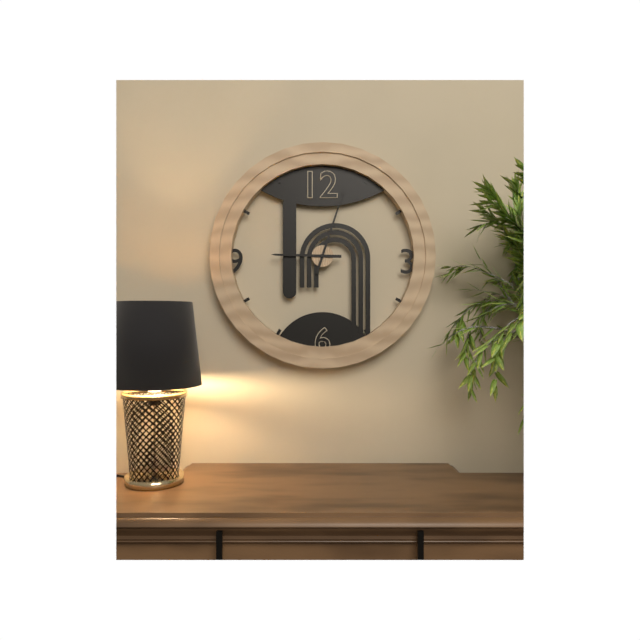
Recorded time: 9:03
